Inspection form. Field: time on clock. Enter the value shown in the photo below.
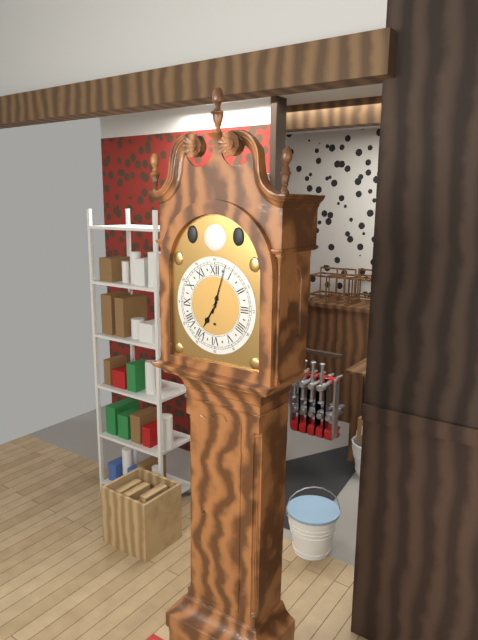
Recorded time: 7:03
